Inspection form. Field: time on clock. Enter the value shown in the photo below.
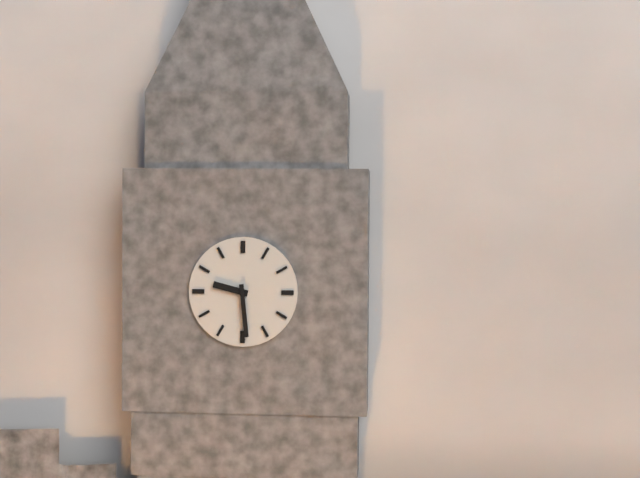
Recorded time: 9:29
